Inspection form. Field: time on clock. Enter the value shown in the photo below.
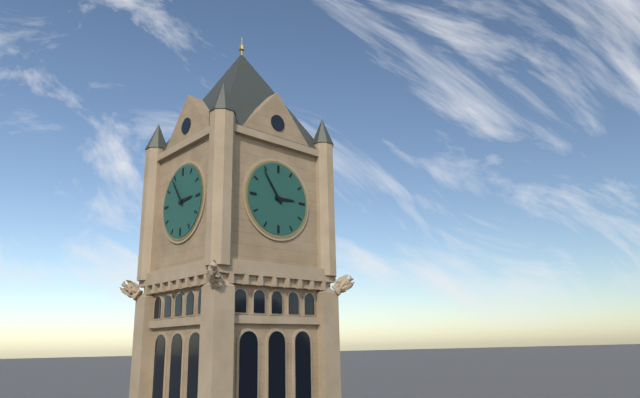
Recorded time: 2:54
